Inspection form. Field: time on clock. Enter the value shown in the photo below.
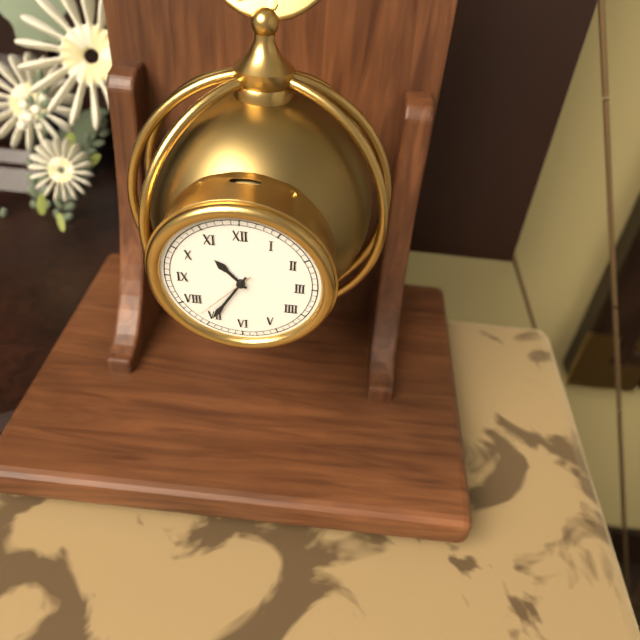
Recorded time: 10:35:37
